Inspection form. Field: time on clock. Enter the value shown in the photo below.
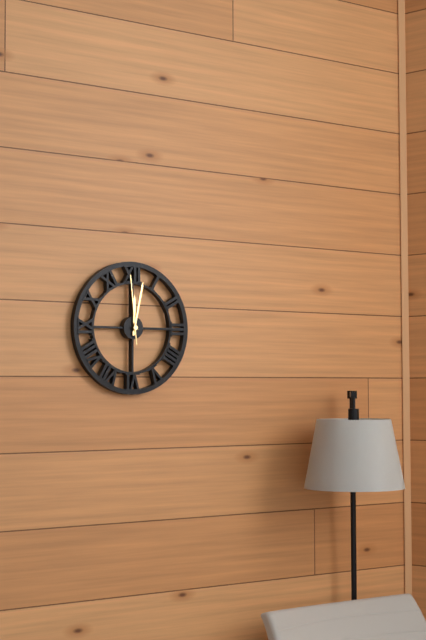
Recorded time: 12:02:59
